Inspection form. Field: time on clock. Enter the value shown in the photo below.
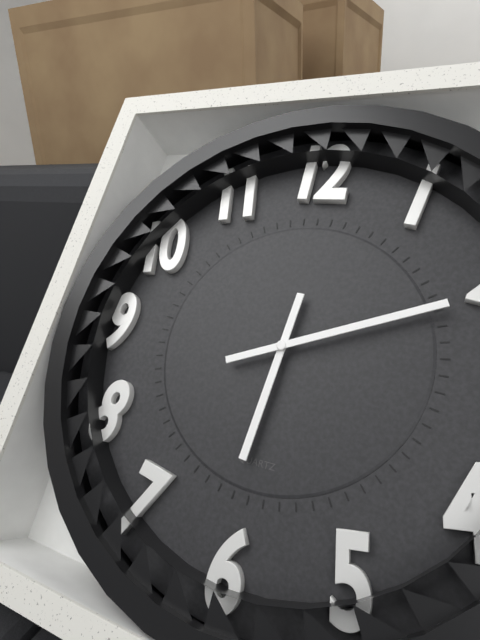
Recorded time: 6:11
